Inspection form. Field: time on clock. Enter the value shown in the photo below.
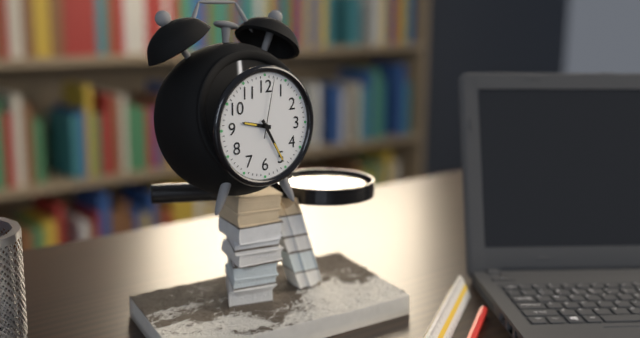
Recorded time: 9:25:02
